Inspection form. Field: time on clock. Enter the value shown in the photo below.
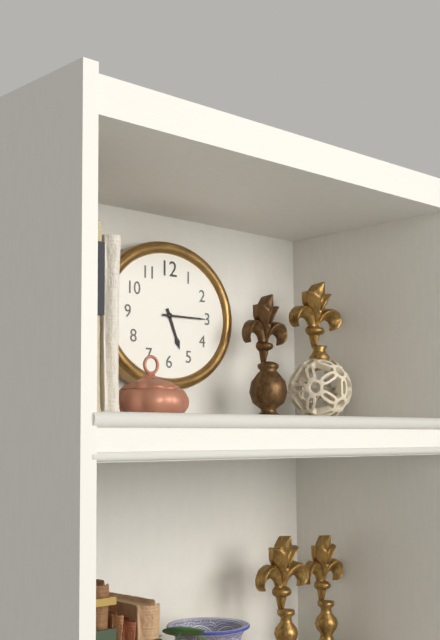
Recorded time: 5:15
